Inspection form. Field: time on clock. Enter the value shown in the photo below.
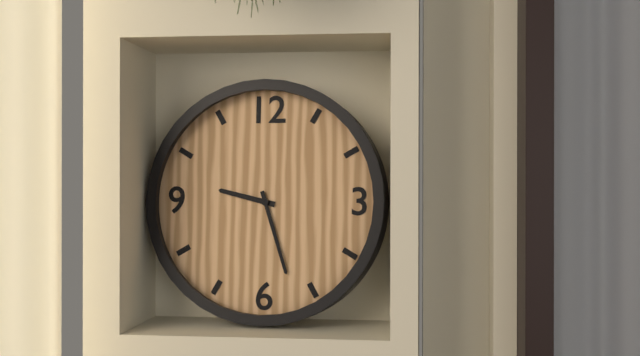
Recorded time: 9:27
